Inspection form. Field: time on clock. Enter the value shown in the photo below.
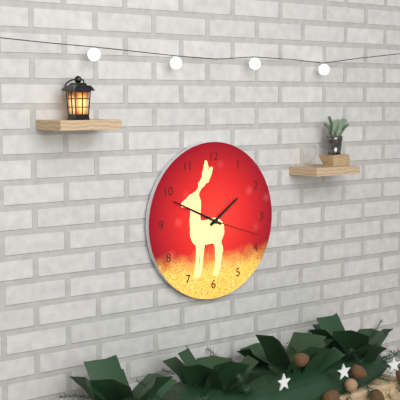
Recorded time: 1:49:18
